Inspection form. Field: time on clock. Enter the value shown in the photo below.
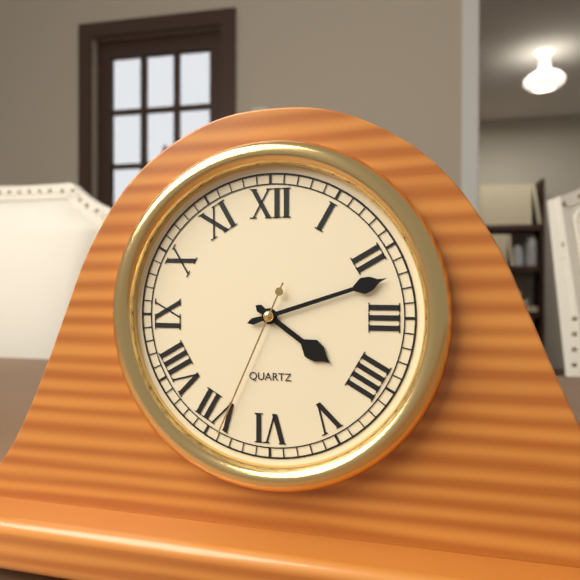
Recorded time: 4:12:34
